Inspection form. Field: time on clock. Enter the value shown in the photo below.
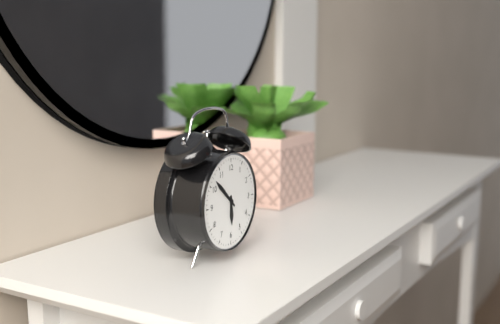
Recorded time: 5:52
